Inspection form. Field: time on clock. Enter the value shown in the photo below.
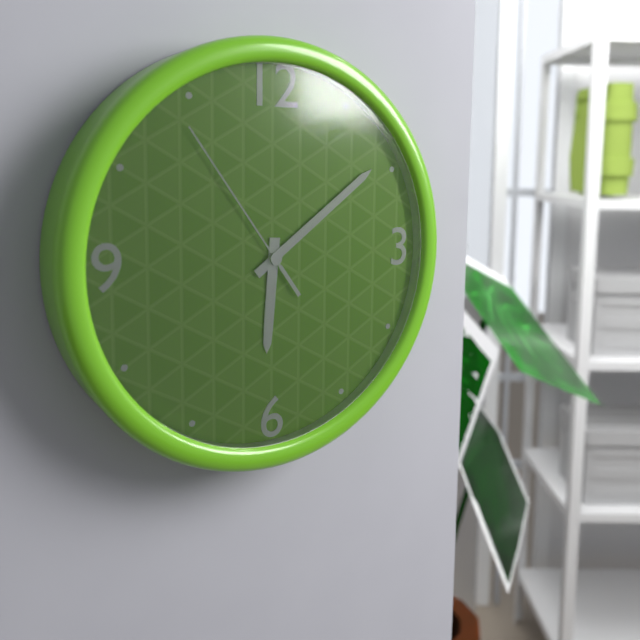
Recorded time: 6:09:54
